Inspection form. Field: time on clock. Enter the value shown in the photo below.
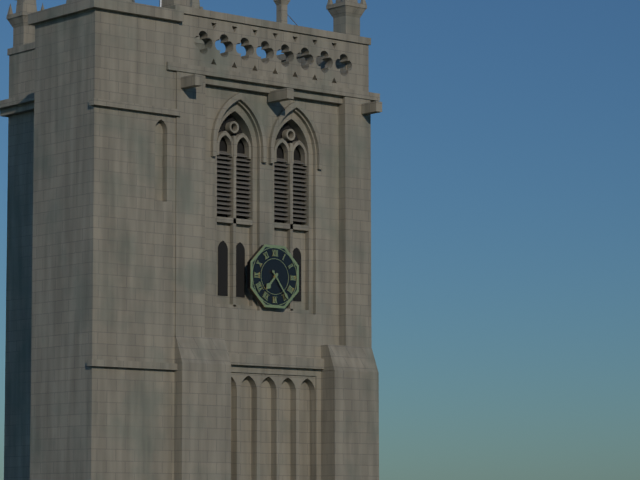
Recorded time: 7:24
